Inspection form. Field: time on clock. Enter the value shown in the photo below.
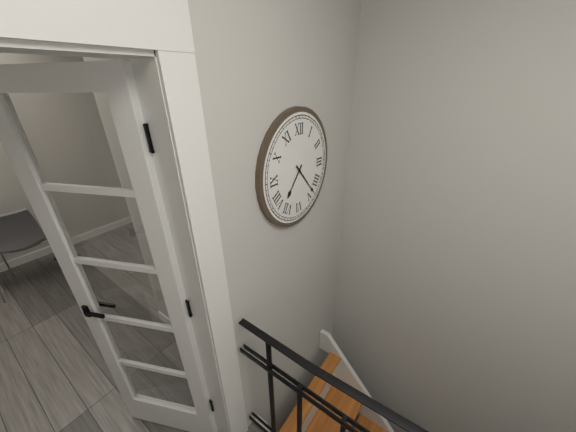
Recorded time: 7:23
